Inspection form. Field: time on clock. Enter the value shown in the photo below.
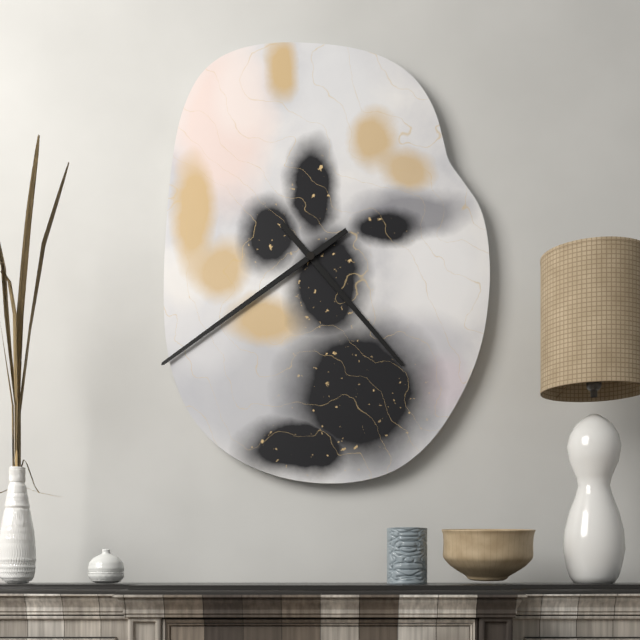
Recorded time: 4:39
